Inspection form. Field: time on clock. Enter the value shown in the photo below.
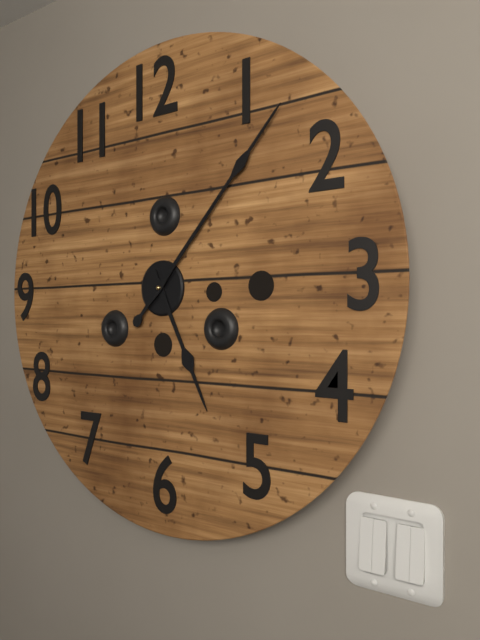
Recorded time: 5:07
